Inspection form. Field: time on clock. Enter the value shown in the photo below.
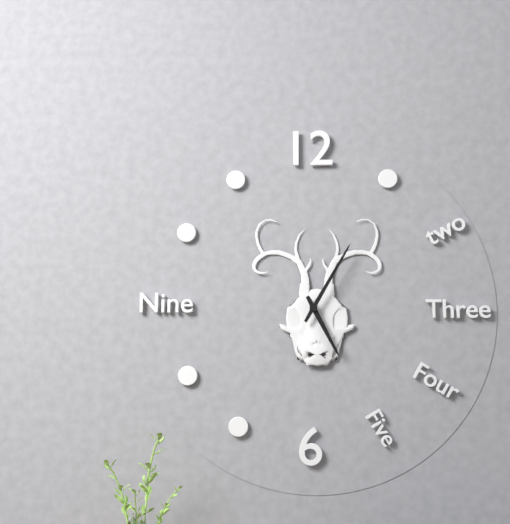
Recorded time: 5:05
